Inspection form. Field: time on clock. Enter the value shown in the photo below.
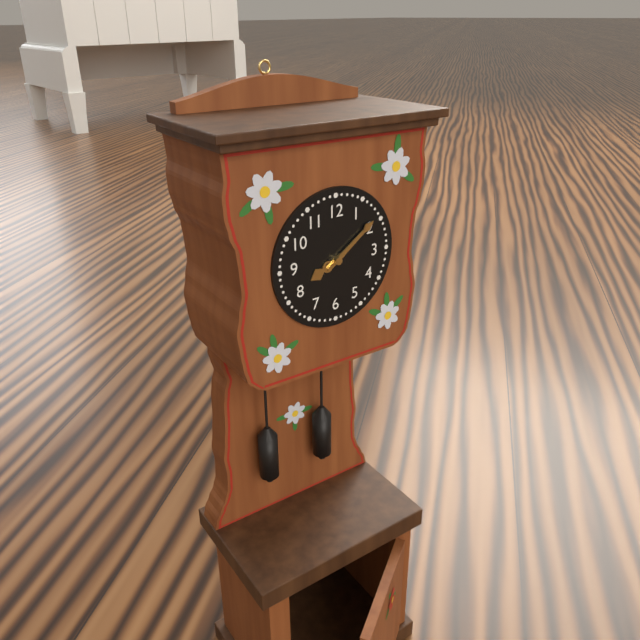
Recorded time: 8:09
